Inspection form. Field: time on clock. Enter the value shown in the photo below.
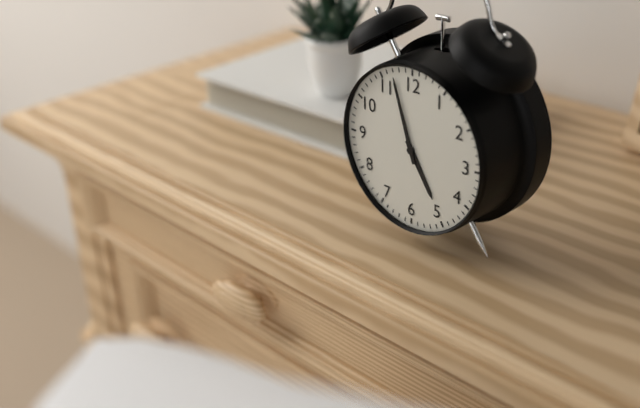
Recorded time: 4:57
